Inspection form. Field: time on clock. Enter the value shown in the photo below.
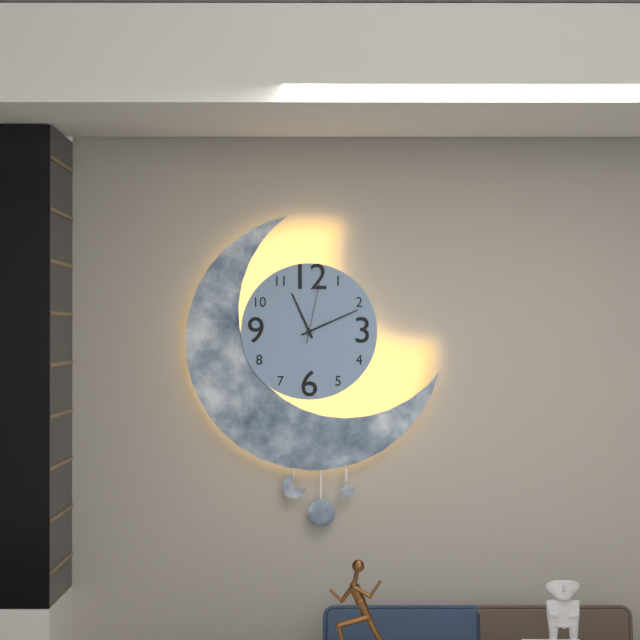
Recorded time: 11:11:02
